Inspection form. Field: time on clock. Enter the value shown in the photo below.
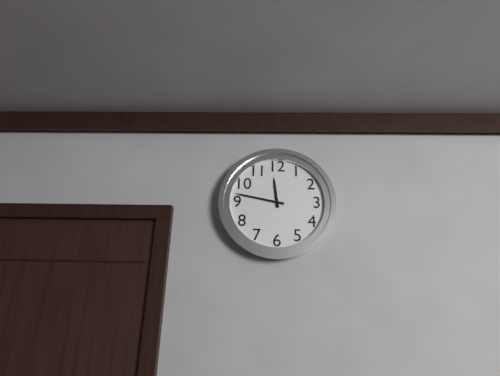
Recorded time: 11:47
